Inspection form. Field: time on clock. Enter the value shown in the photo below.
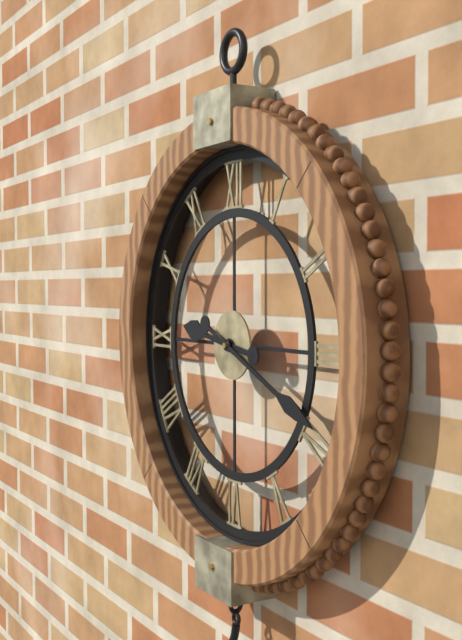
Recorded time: 9:19
